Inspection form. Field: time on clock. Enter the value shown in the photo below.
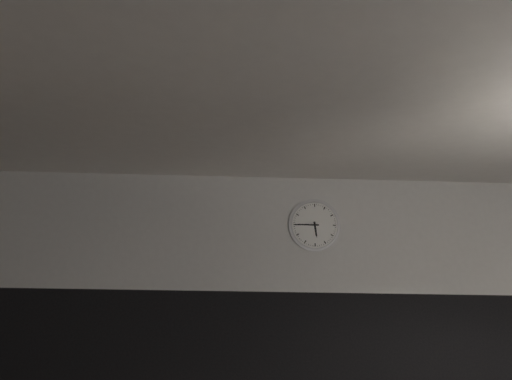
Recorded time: 5:45
